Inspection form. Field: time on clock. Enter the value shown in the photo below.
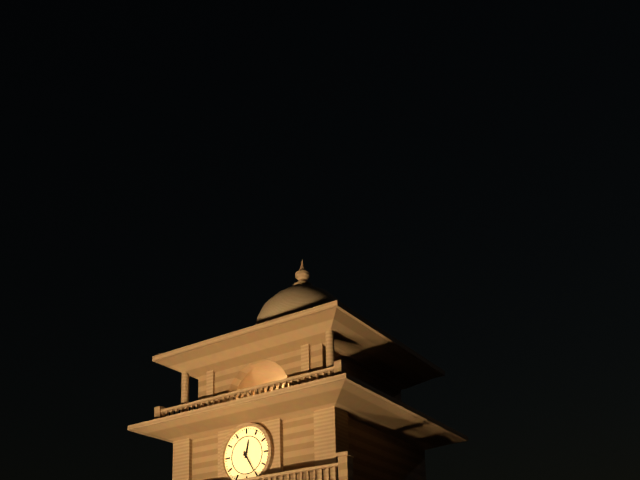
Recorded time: 12:25
